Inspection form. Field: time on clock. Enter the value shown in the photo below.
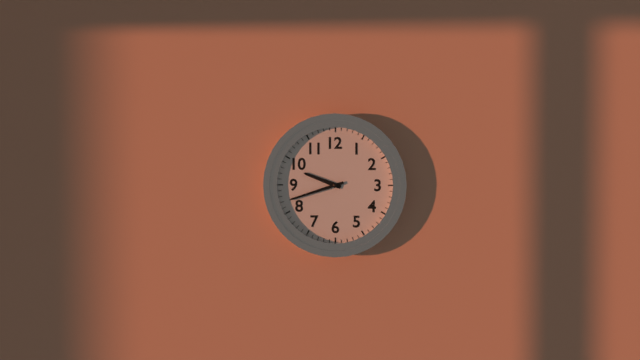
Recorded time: 9:42
